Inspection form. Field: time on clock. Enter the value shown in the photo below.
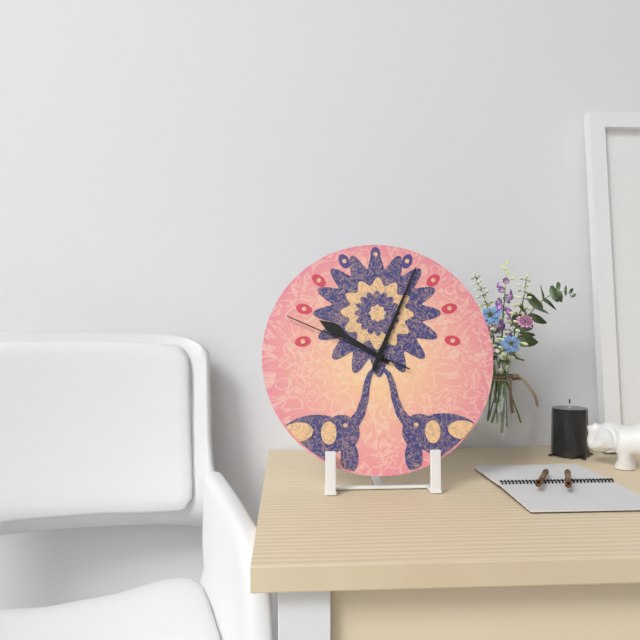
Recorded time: 10:04:49
